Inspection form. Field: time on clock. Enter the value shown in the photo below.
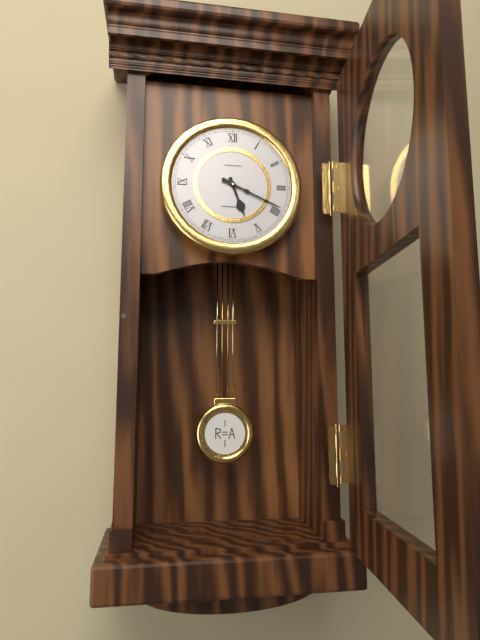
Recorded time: 5:19
